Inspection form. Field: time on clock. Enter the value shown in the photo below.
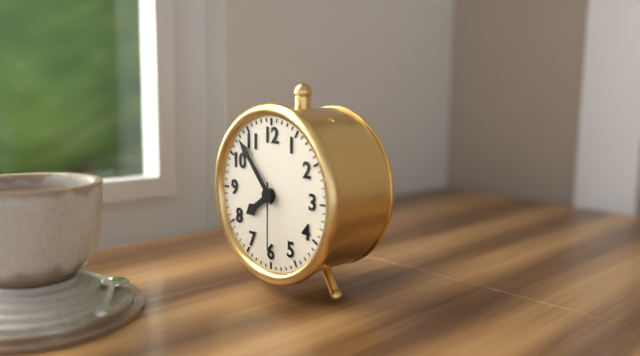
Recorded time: 7:53:30
